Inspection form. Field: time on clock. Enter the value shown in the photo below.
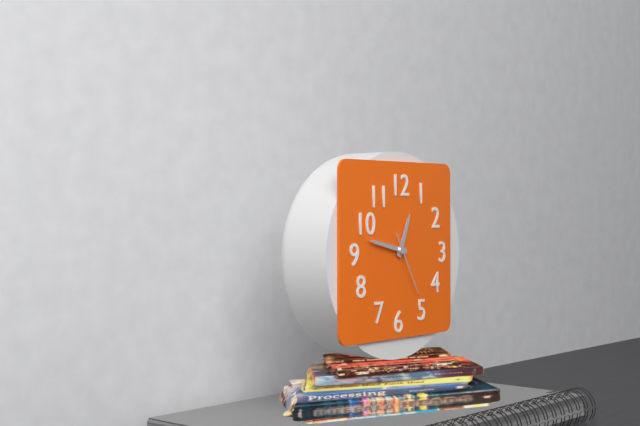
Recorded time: 12:47:25
